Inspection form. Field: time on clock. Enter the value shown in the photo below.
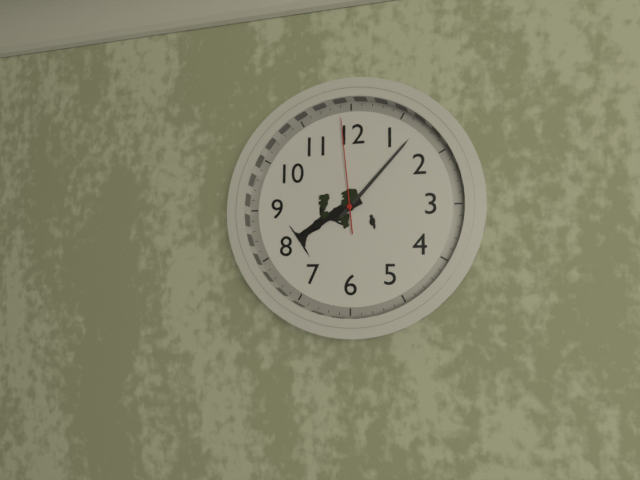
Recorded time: 8:07:59
